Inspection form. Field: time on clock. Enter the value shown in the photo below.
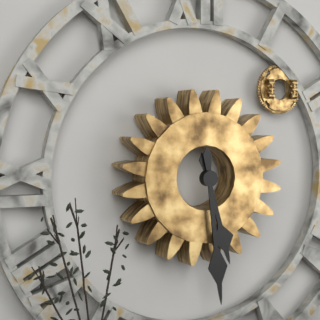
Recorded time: 5:29
